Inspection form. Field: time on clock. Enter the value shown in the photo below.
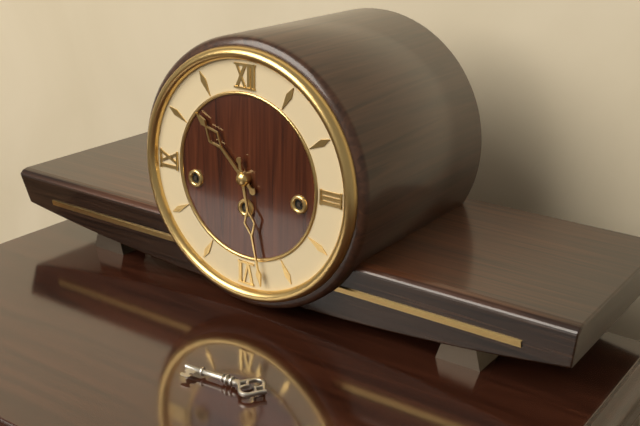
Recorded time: 10:28
